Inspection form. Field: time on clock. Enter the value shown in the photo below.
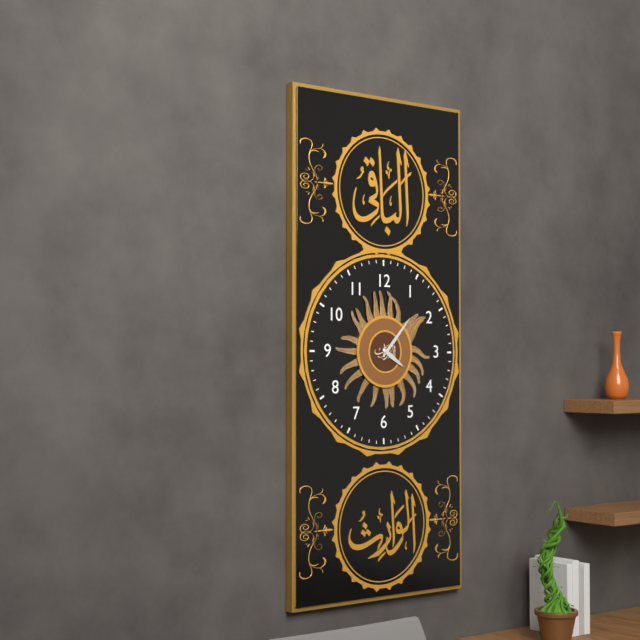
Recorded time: 4:07
